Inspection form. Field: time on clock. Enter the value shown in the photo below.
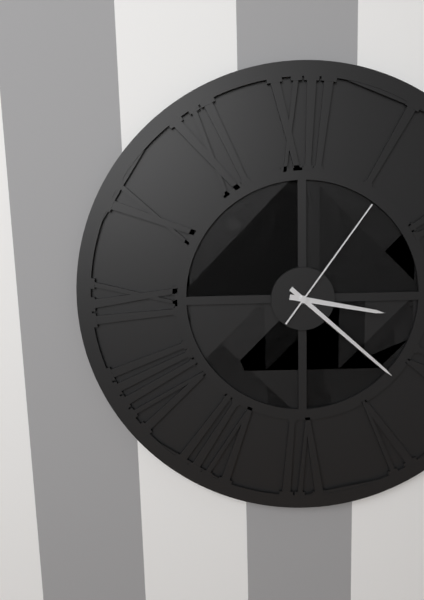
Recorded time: 3:22:06
